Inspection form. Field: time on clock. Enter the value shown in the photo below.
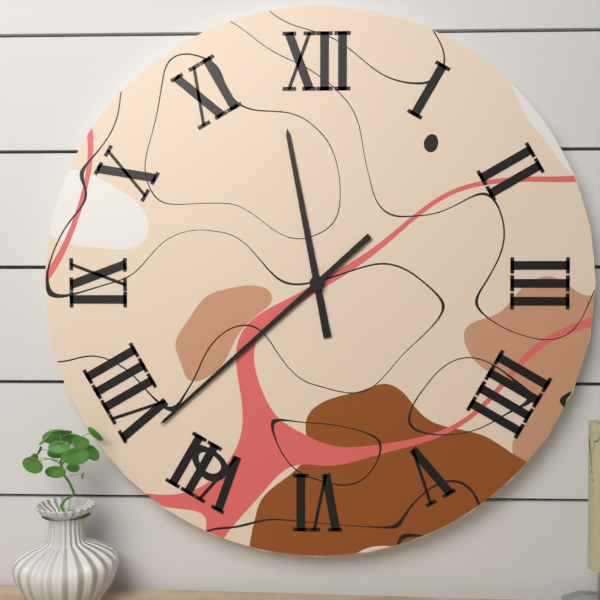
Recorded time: 11:38
